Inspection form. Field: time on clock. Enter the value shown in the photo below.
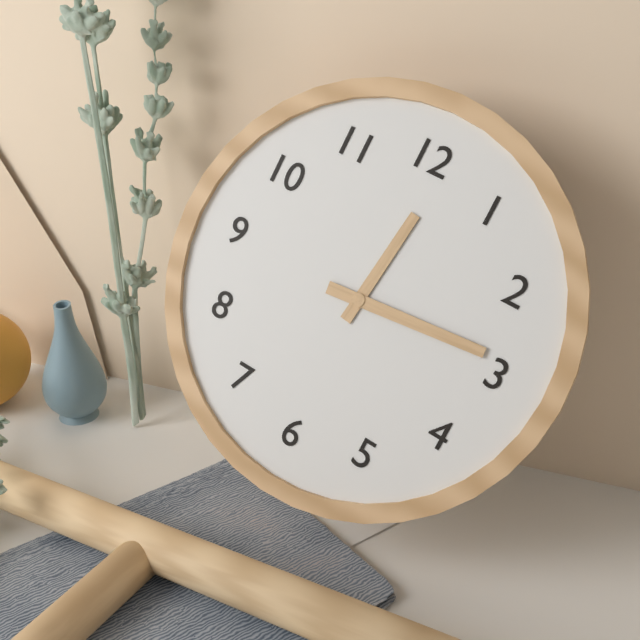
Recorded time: 12:14
